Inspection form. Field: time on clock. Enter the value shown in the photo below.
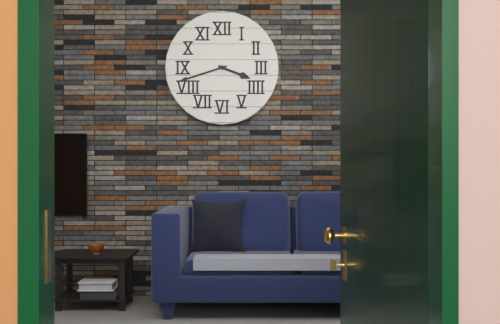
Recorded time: 3:42
